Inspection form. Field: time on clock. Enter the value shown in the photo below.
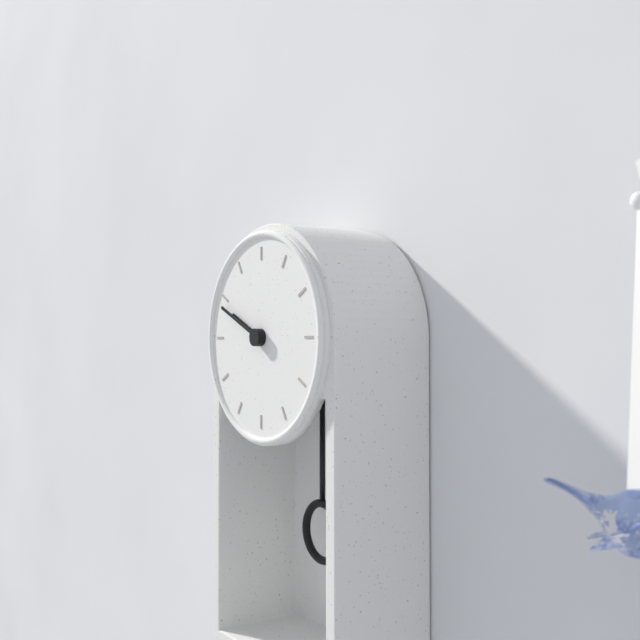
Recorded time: 9:49
